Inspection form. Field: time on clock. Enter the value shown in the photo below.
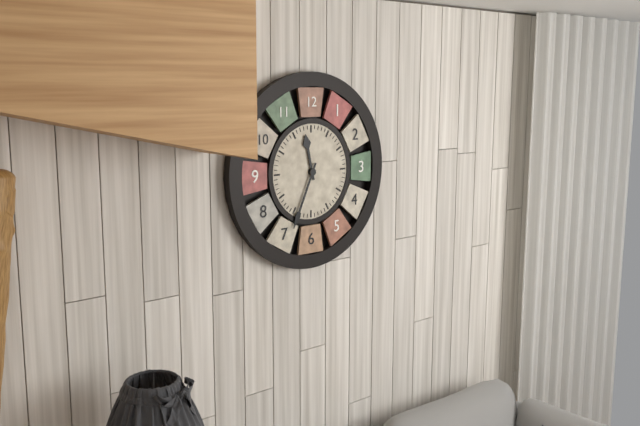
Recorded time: 11:34
